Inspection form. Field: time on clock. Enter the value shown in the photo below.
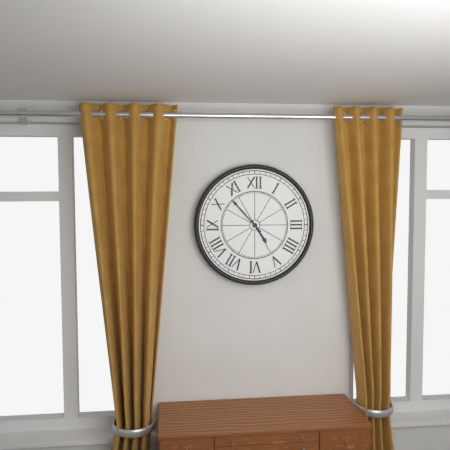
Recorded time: 4:53
